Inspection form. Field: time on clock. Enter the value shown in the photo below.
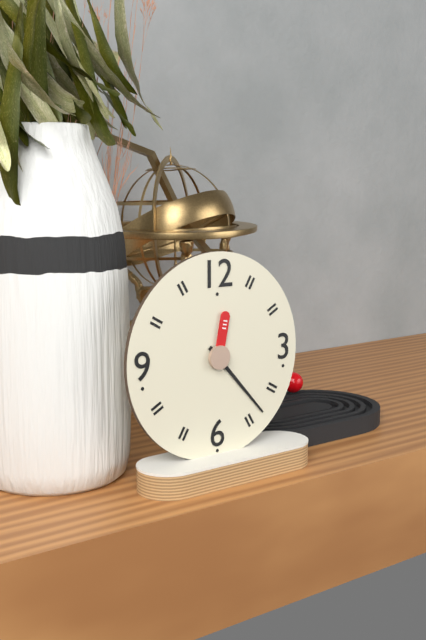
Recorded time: 12:23
